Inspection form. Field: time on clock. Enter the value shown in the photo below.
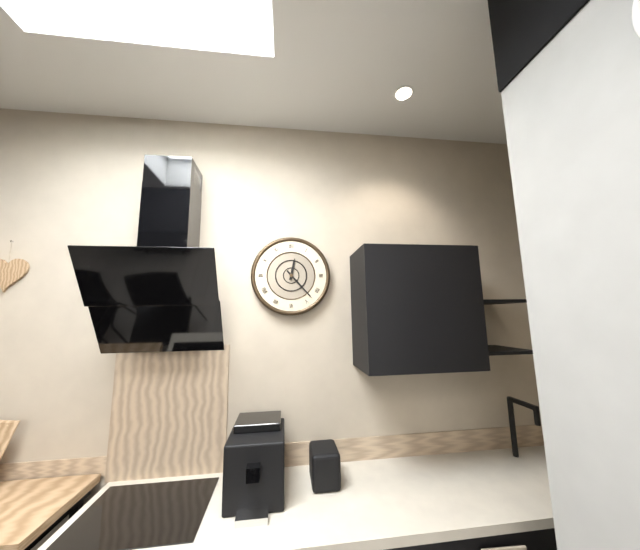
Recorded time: 12:23
